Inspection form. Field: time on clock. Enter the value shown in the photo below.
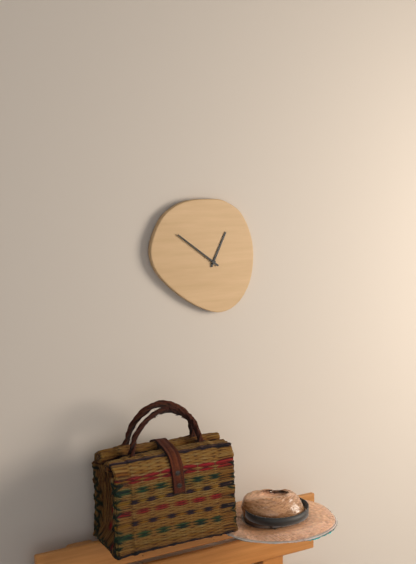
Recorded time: 12:51
